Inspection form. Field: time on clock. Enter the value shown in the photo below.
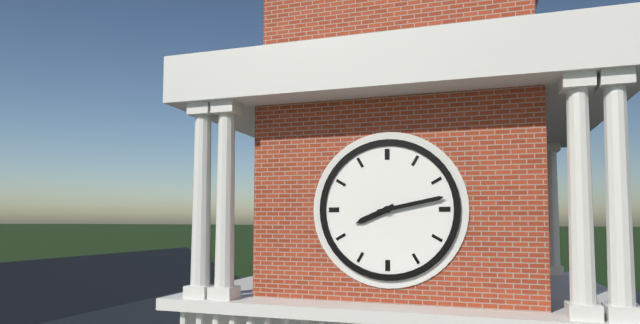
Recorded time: 8:13
